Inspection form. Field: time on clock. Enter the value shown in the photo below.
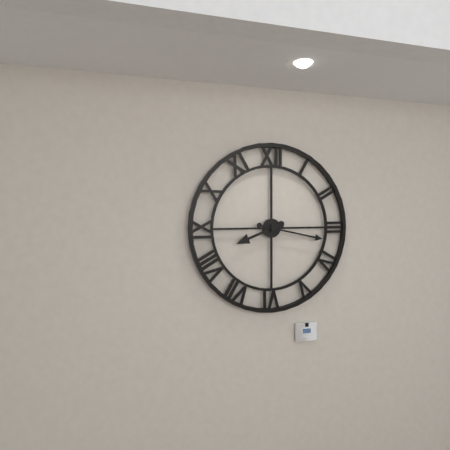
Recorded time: 8:17
